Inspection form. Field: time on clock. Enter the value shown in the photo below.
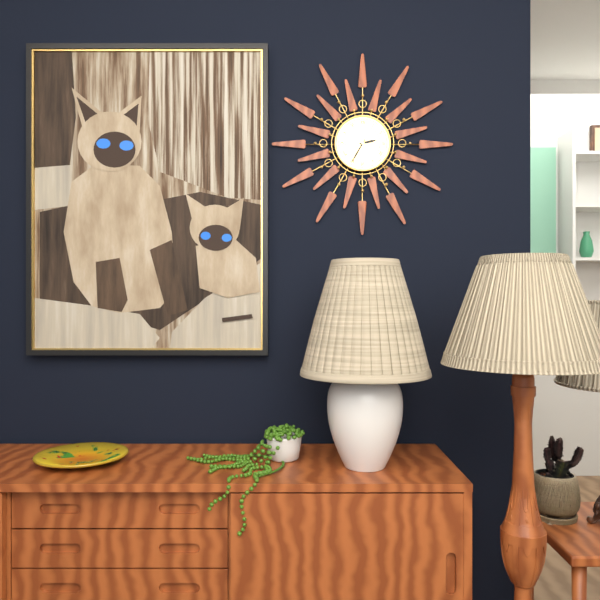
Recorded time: 2:35
